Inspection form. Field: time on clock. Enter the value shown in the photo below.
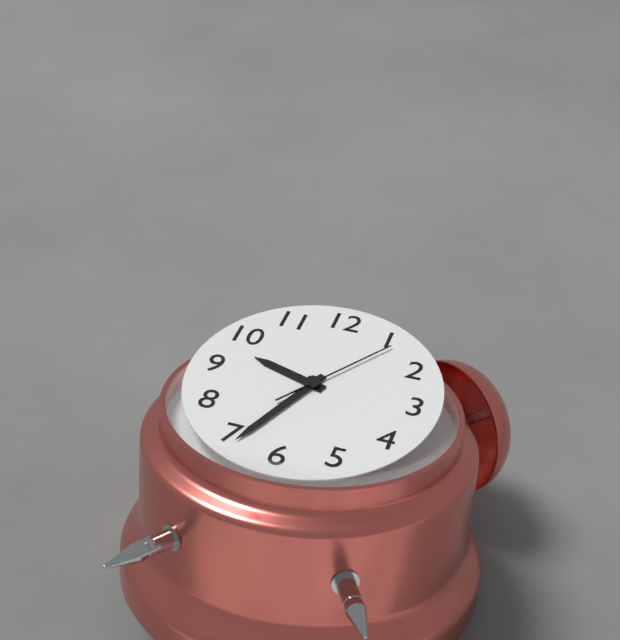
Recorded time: 9:34:06
